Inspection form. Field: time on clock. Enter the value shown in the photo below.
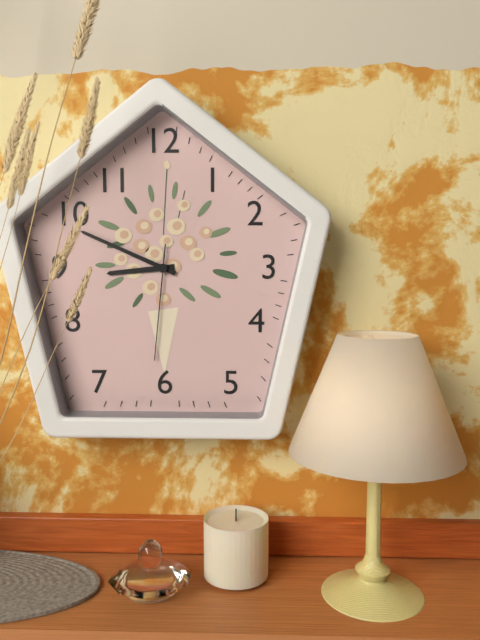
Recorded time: 8:49:31
